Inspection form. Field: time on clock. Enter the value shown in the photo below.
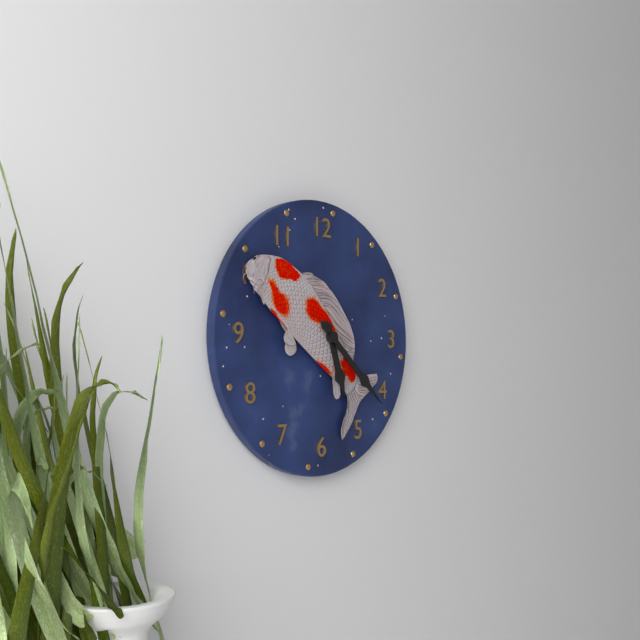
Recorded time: 5:22
